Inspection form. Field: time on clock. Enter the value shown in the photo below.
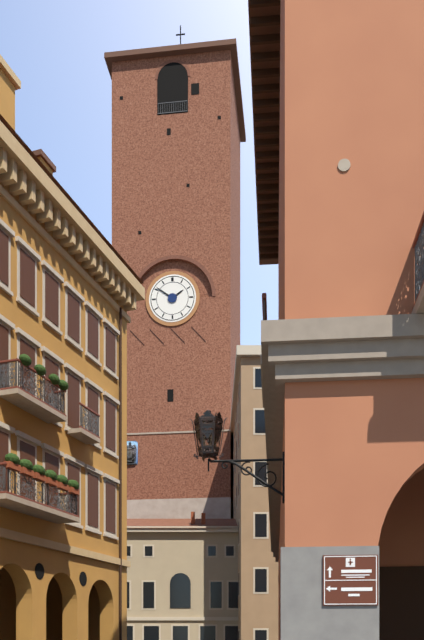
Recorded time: 1:51
